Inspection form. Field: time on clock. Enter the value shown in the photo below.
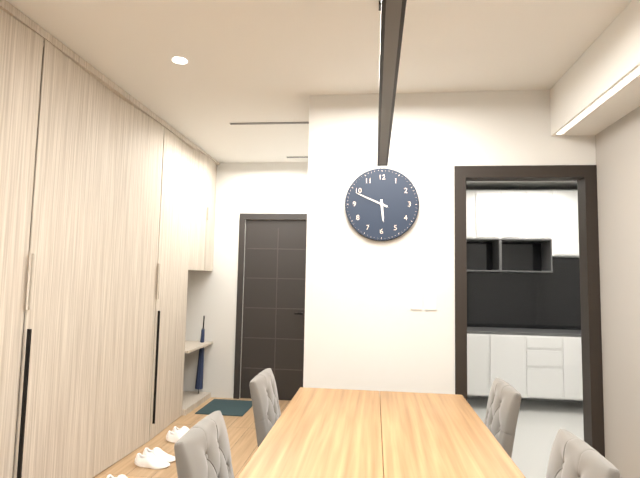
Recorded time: 5:49
